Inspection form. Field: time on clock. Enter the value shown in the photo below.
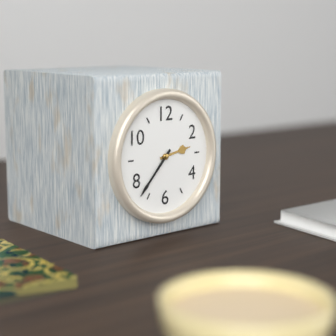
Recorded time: 2:37
